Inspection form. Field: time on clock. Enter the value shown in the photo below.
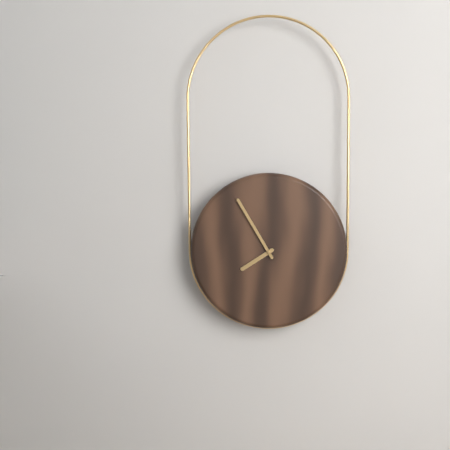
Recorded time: 7:55
